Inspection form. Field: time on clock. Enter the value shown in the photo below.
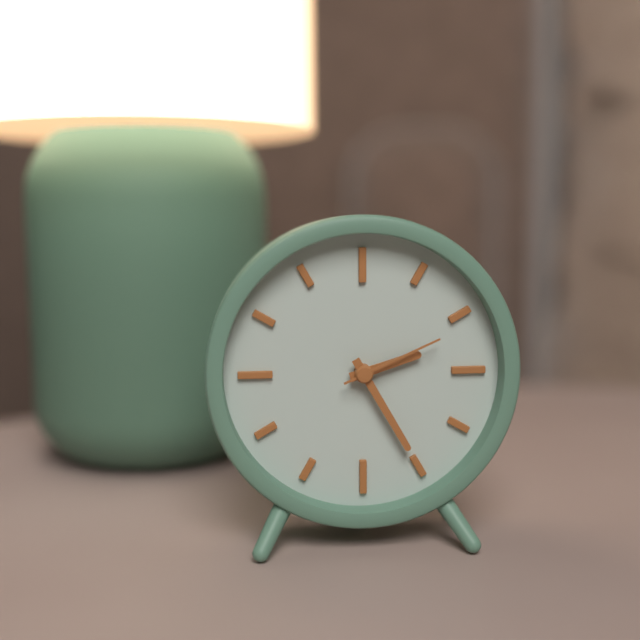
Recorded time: 2:25:11
